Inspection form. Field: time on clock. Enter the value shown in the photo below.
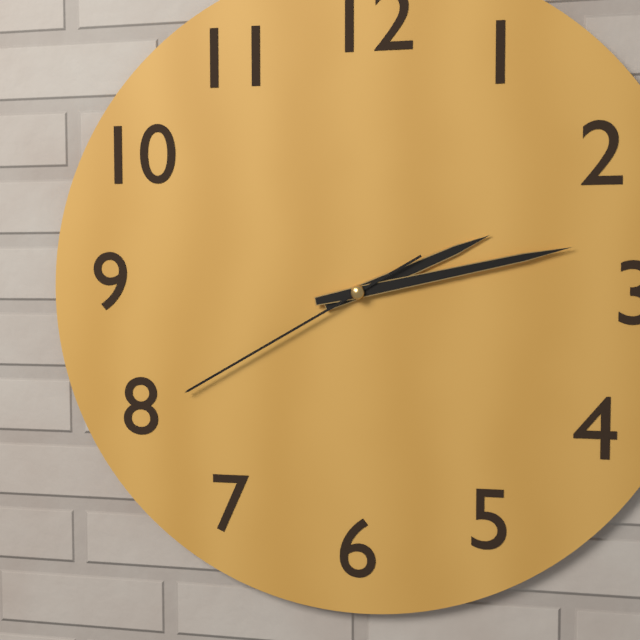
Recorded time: 2:13:40
